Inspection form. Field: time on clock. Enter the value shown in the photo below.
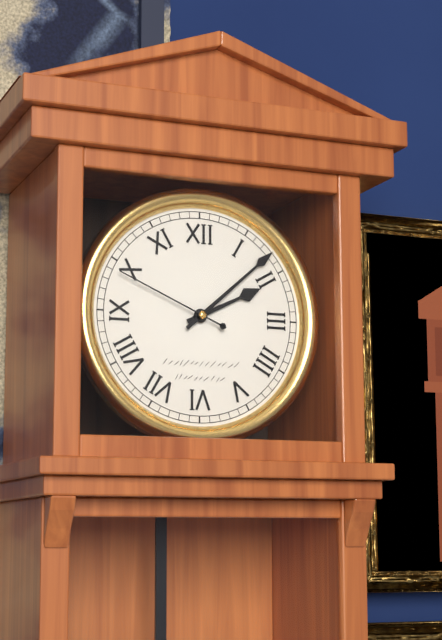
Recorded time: 2:08:49
